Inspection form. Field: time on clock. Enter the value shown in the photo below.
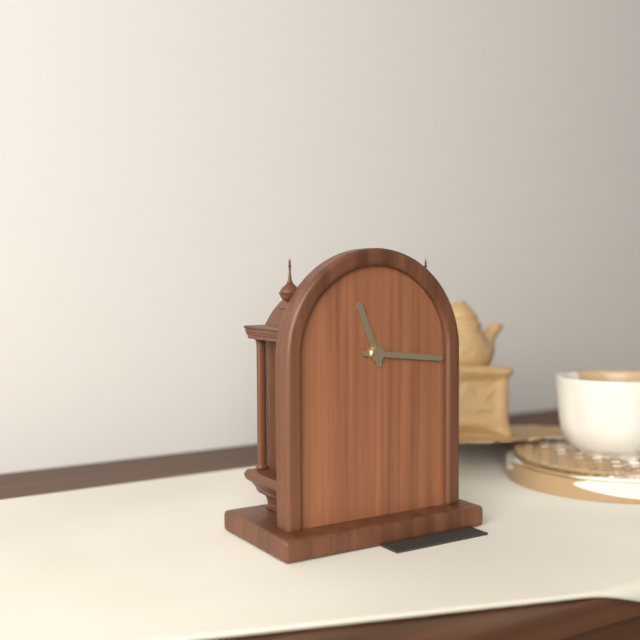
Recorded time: 11:16
